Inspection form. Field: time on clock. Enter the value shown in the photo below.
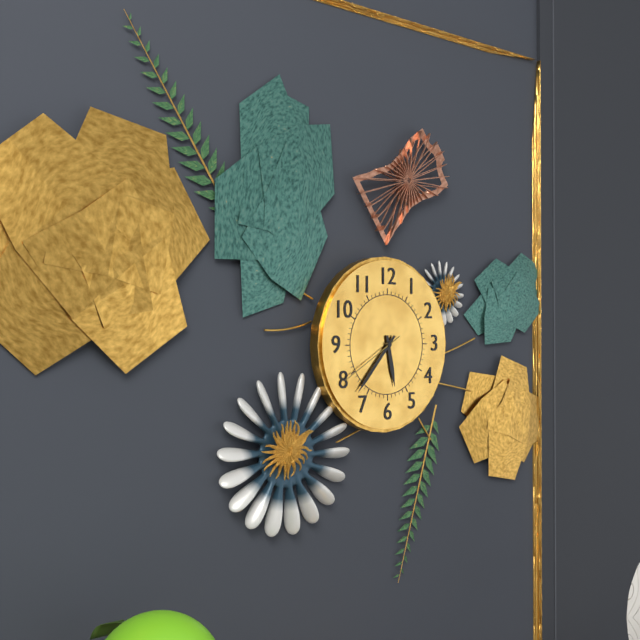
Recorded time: 5:37:40
